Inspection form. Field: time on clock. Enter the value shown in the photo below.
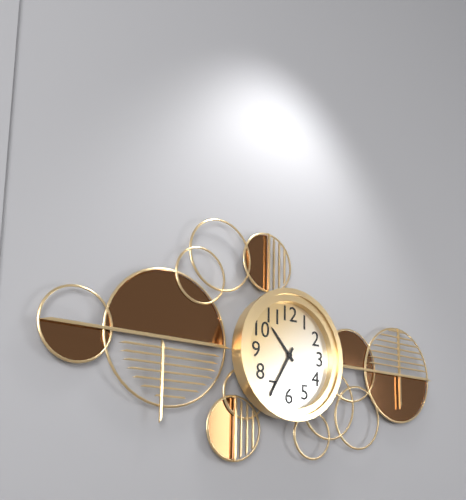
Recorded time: 10:35
